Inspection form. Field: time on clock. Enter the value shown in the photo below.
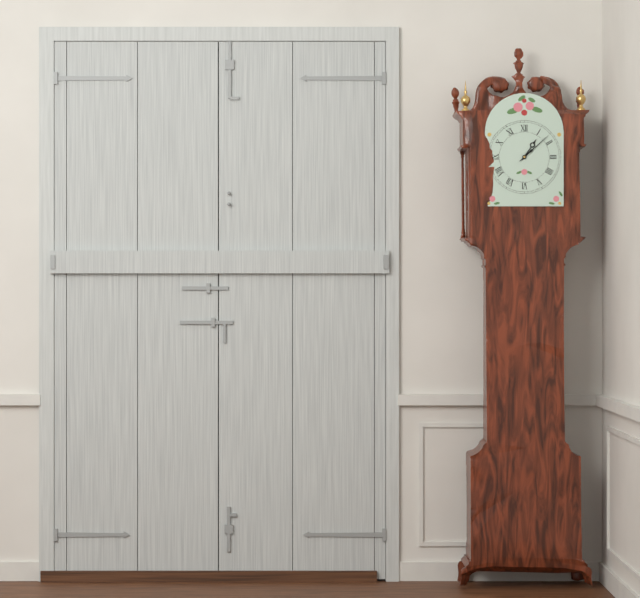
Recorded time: 1:08
